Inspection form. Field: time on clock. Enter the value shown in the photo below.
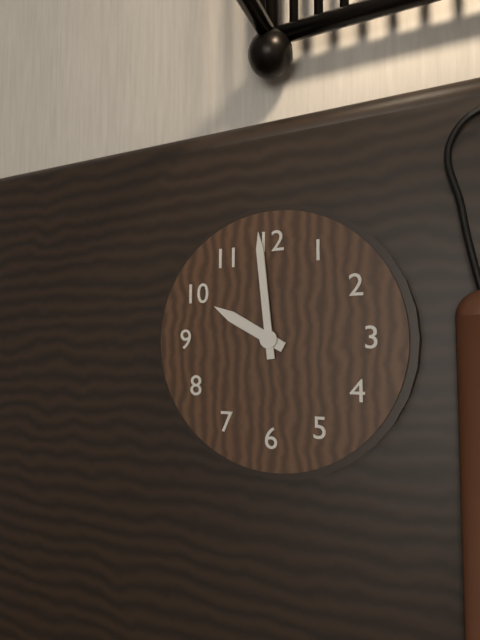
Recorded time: 9:59
